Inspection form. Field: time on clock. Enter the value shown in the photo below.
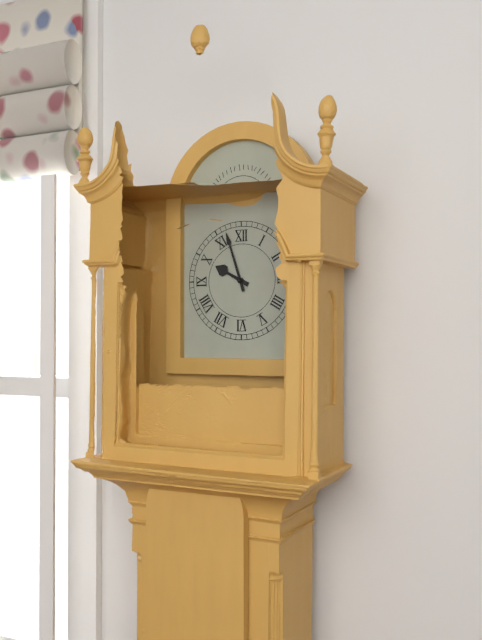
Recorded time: 9:57
